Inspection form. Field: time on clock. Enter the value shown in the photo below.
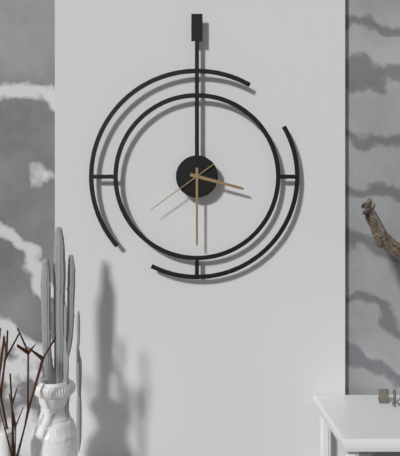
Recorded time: 3:30:39
